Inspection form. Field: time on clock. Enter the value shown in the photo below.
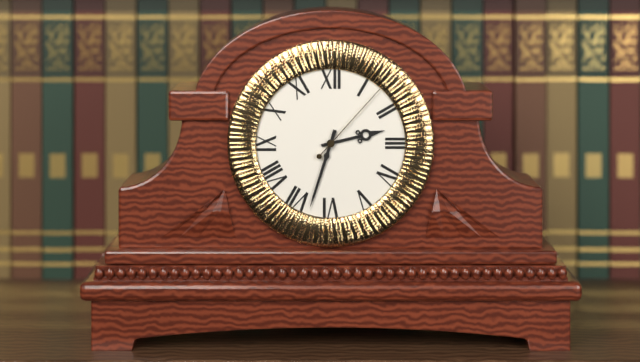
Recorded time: 2:33:07
